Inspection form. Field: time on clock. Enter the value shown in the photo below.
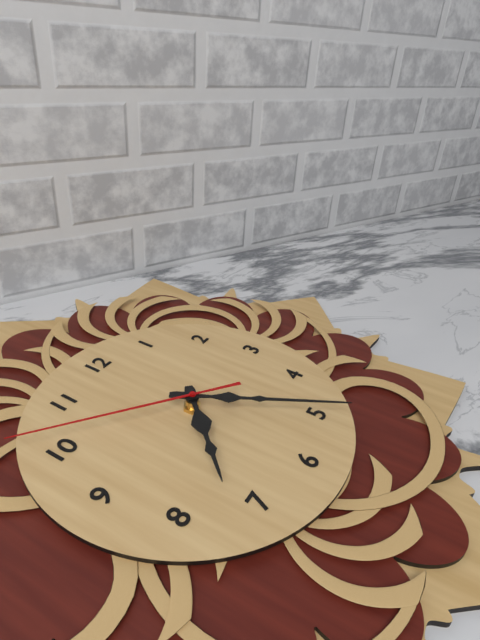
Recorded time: 7:25:51
